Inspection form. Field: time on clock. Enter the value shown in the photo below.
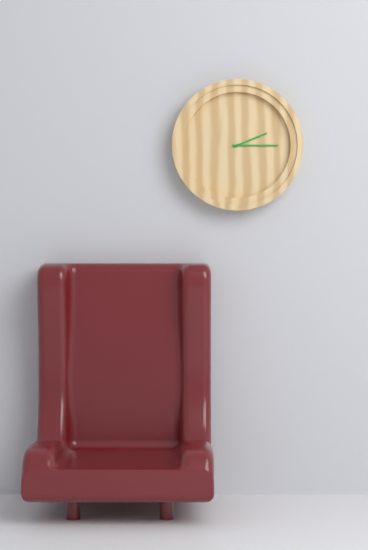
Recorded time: 2:15
